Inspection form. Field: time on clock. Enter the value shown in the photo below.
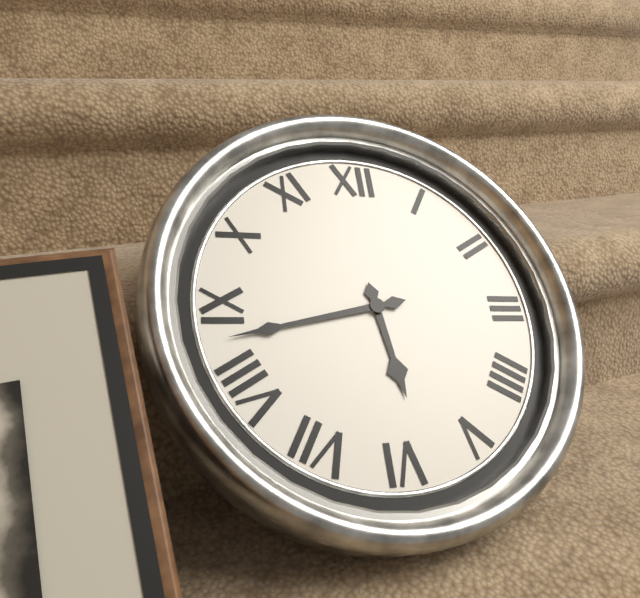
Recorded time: 5:43
